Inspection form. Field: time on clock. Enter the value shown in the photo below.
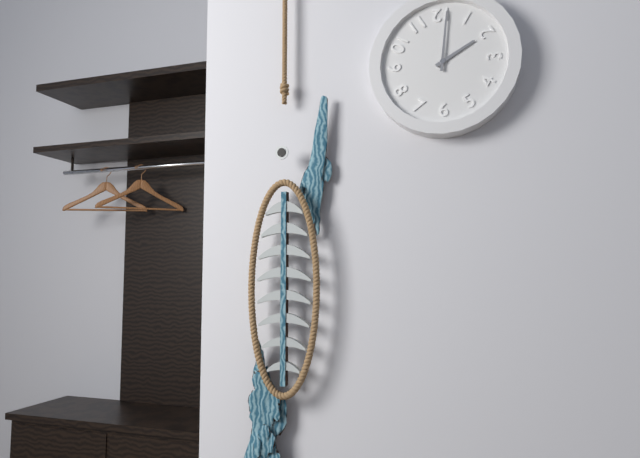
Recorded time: 2:01
